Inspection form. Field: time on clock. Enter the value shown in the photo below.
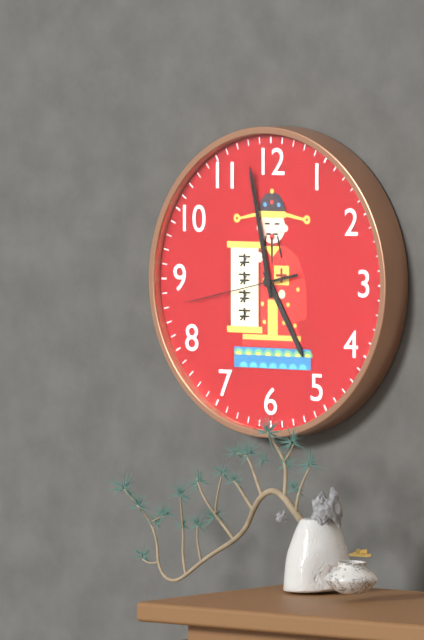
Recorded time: 4:58:43
